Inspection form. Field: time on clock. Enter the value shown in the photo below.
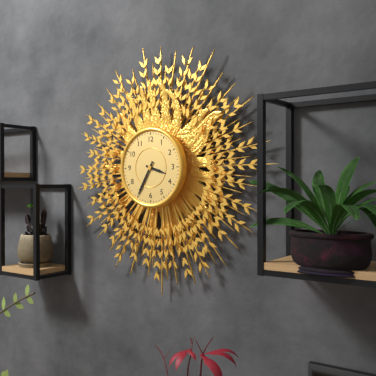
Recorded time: 3:35
